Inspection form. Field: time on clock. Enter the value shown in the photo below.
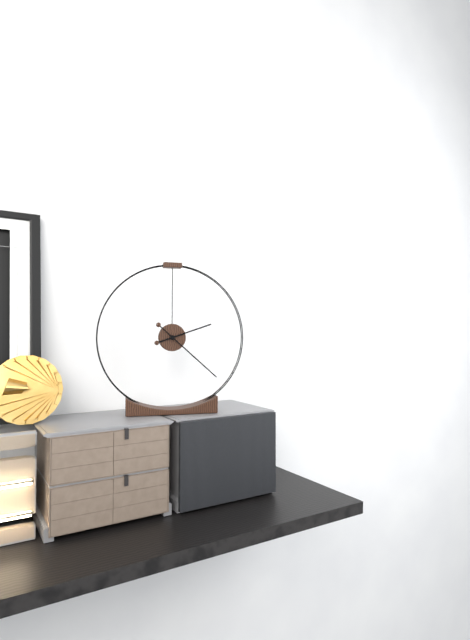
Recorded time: 2:22
